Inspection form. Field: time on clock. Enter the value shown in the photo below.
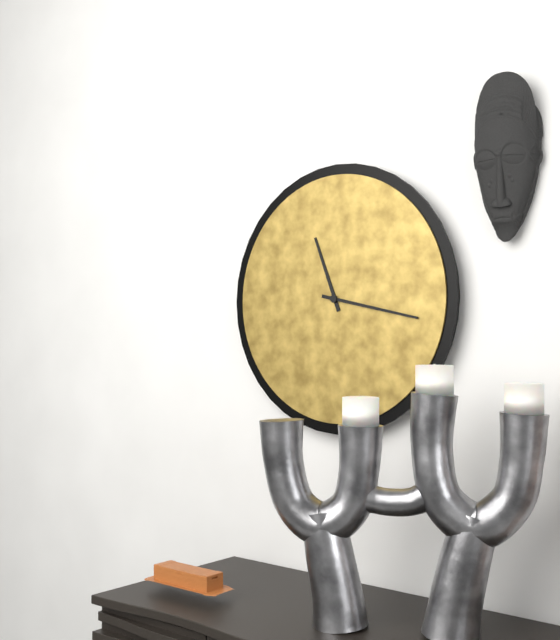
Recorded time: 11:17
